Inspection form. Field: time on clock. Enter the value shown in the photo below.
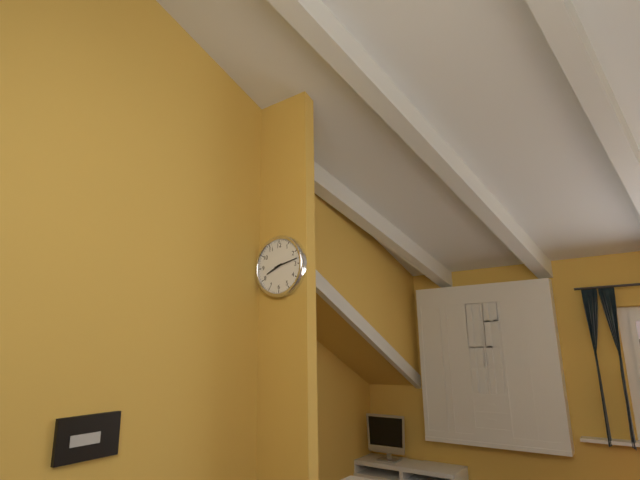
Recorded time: 8:13
